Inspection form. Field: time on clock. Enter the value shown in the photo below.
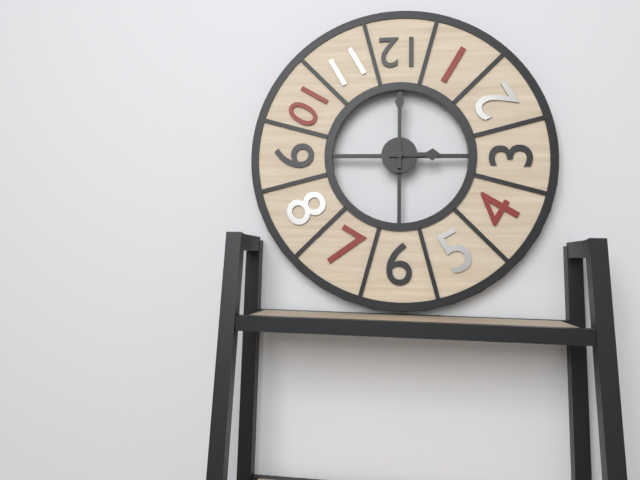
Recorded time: 3:00
